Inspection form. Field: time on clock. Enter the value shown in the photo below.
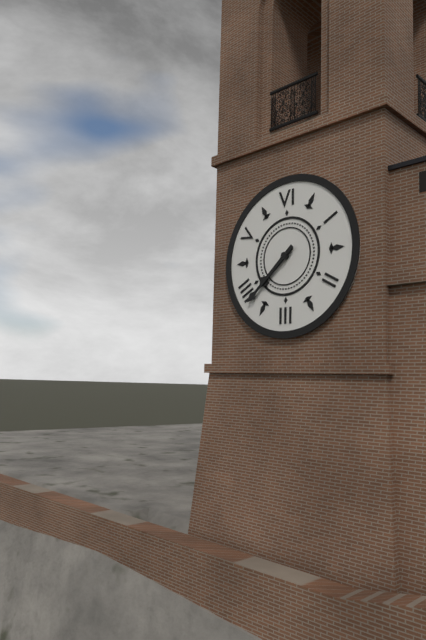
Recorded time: 7:38
